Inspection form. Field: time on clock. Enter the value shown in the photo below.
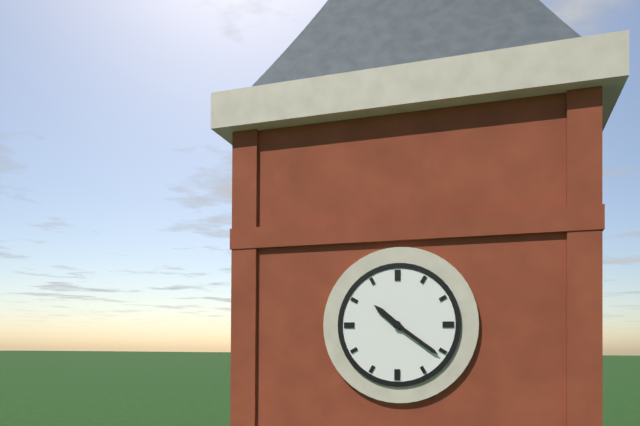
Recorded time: 10:21
